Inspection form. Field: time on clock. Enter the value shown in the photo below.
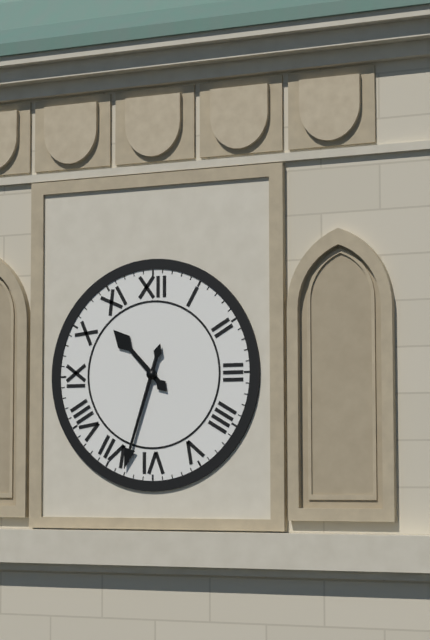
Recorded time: 10:33
